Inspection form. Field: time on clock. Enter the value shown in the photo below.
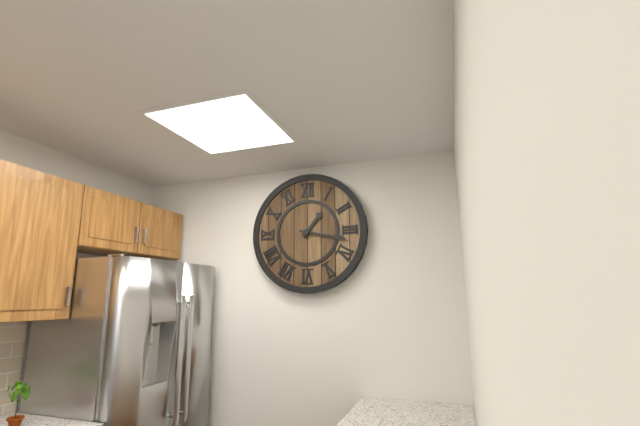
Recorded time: 1:17
